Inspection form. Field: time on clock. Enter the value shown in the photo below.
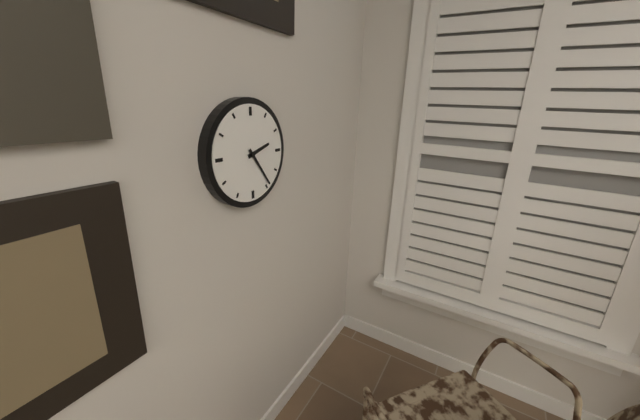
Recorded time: 2:24
